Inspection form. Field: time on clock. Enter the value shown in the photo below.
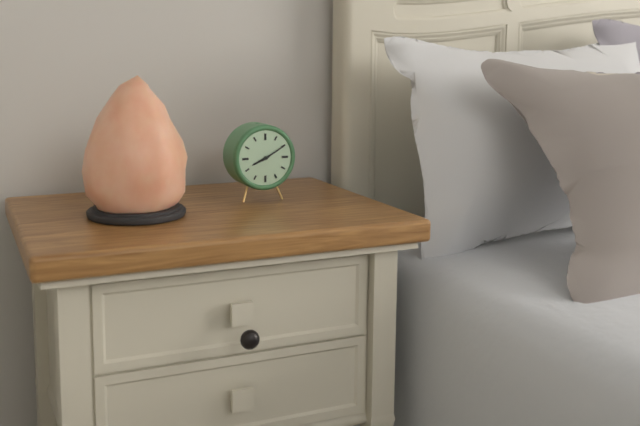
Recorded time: 8:10
